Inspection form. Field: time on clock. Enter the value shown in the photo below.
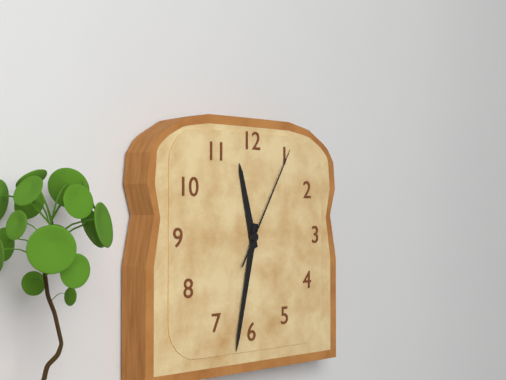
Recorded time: 11:32:05
